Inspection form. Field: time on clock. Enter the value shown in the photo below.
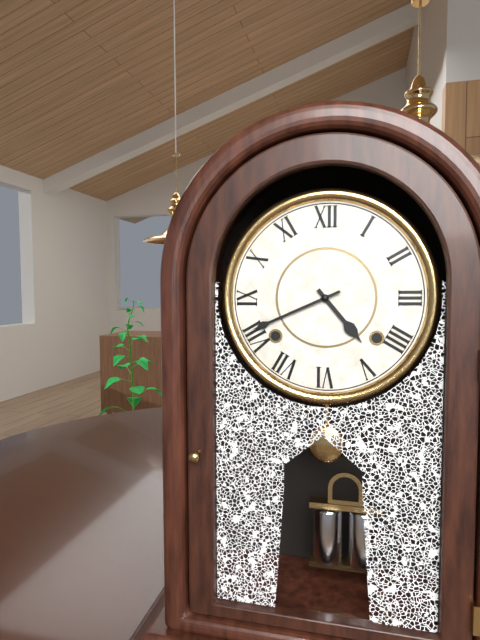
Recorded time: 4:41
